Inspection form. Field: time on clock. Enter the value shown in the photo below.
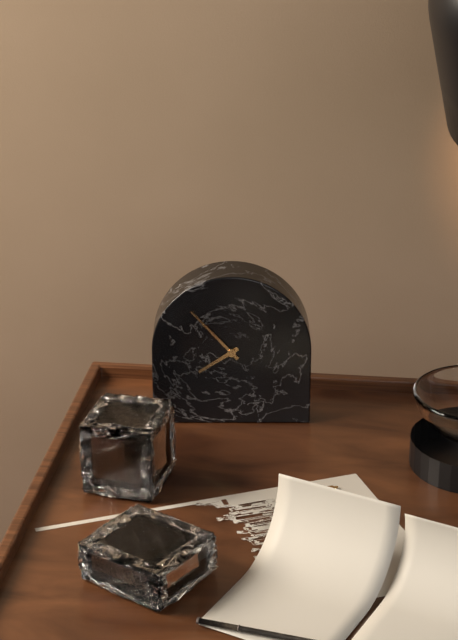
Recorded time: 7:53
